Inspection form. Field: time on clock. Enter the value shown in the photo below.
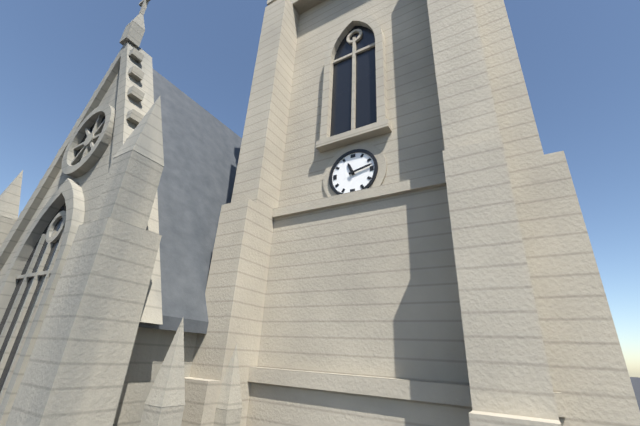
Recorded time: 11:13
